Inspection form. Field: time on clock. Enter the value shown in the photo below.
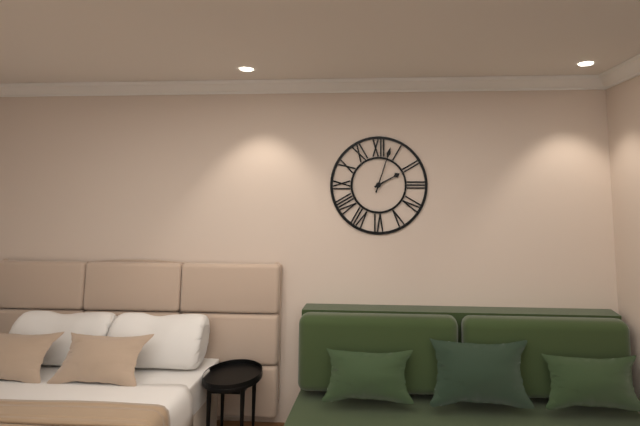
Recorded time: 2:03
